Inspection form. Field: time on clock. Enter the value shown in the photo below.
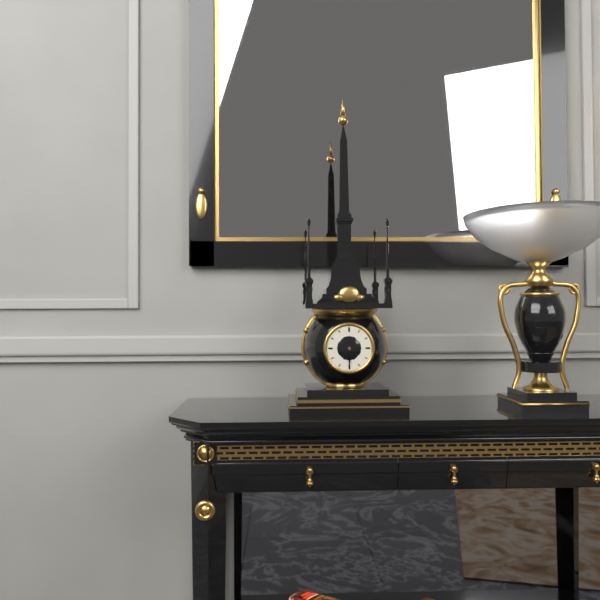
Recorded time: 6:30
